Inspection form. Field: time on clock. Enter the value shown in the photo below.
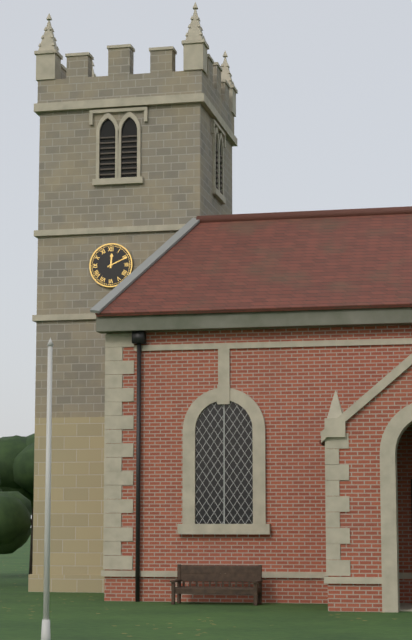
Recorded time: 12:11
